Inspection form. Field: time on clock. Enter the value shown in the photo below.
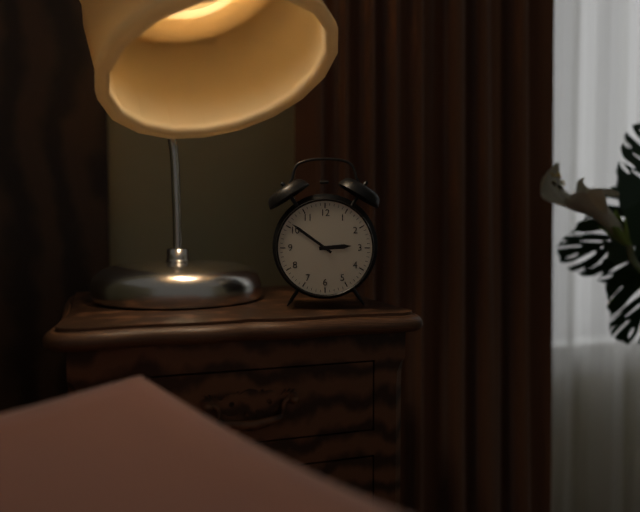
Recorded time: 2:51
